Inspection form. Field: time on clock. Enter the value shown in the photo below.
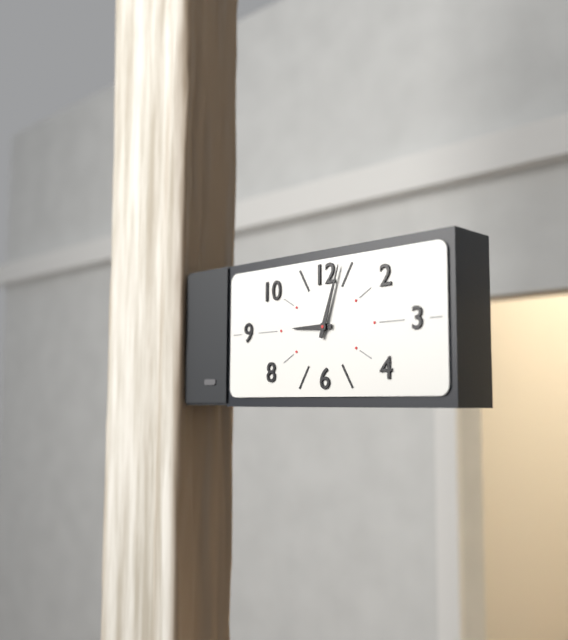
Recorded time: 9:03
